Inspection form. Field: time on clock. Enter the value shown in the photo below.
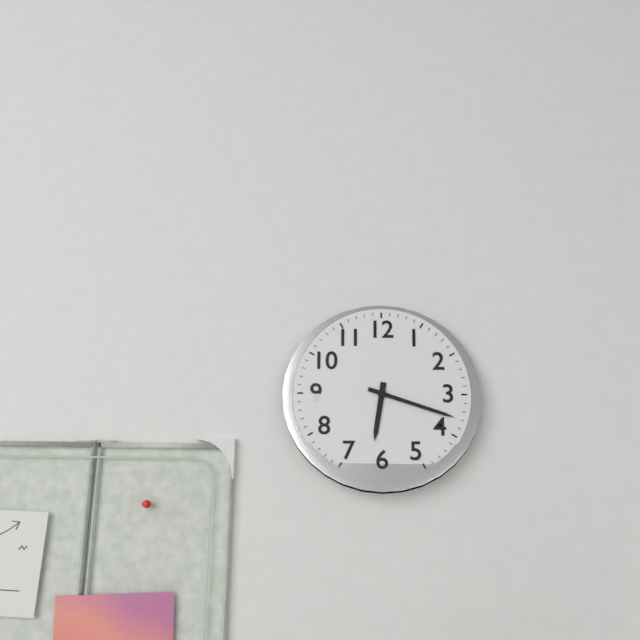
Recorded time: 6:18
